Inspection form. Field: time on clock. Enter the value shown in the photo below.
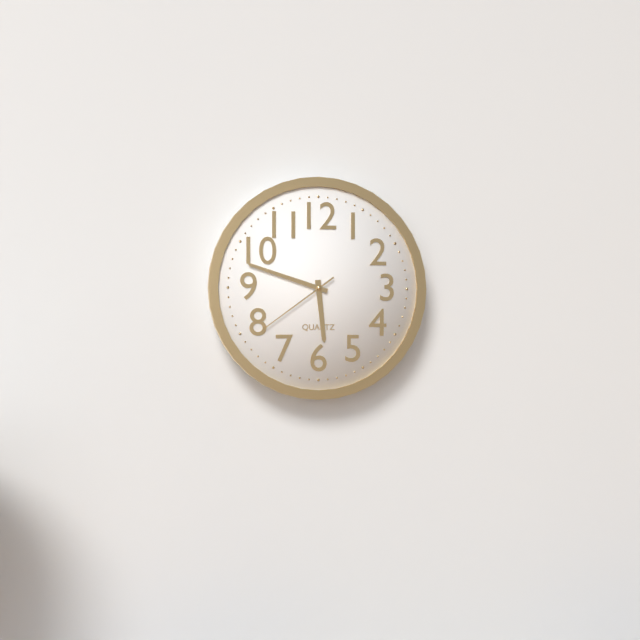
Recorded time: 5:48:39
